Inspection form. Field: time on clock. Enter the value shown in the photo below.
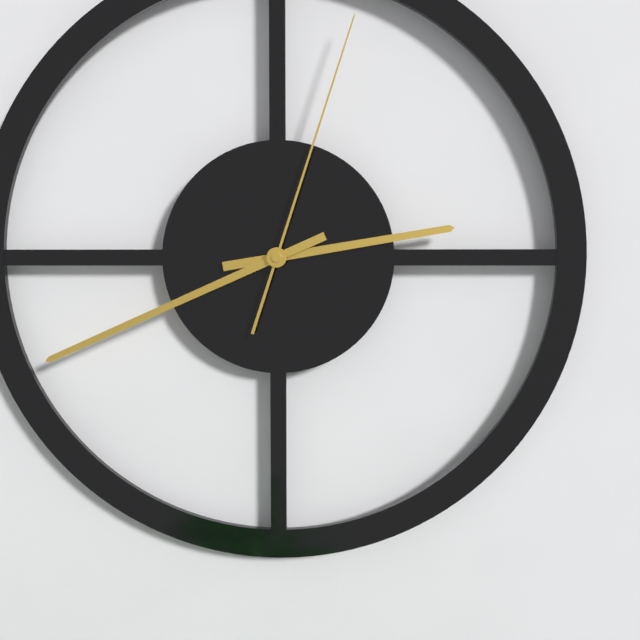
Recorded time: 2:41:03
